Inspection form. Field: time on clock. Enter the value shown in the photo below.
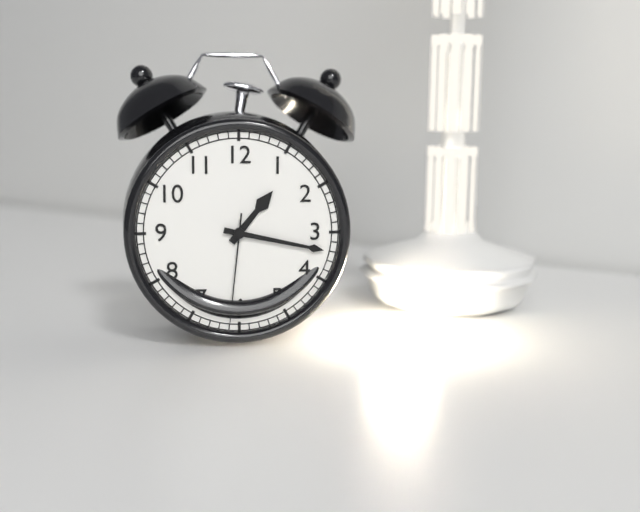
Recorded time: 1:17:31
